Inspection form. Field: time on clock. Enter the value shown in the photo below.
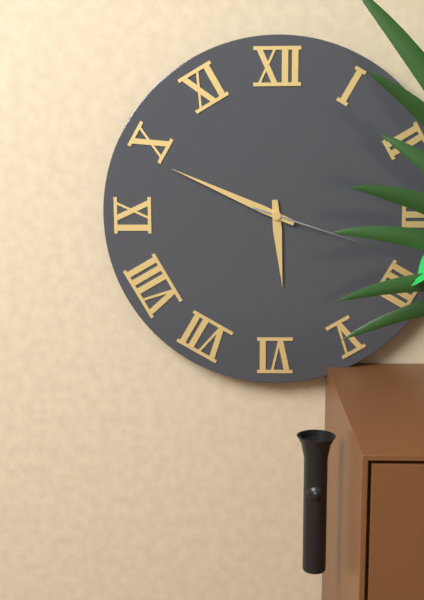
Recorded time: 5:49:18
